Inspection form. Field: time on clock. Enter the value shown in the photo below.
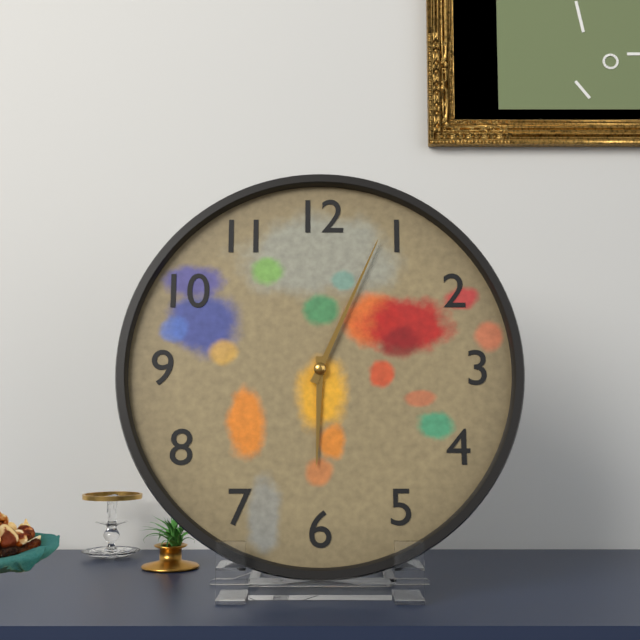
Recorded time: 6:04
